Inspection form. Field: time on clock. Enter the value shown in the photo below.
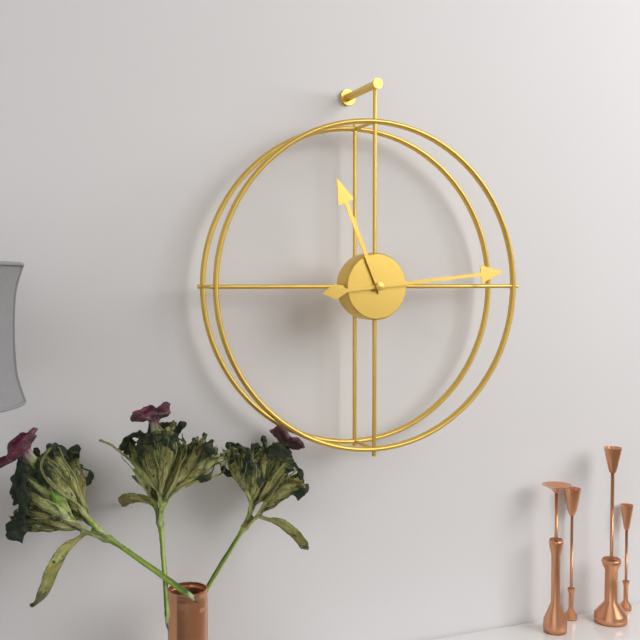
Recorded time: 11:14
